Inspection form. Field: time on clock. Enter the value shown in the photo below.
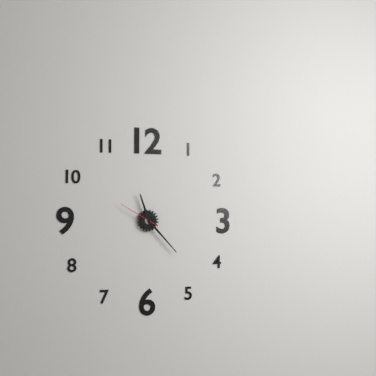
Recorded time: 11:23
